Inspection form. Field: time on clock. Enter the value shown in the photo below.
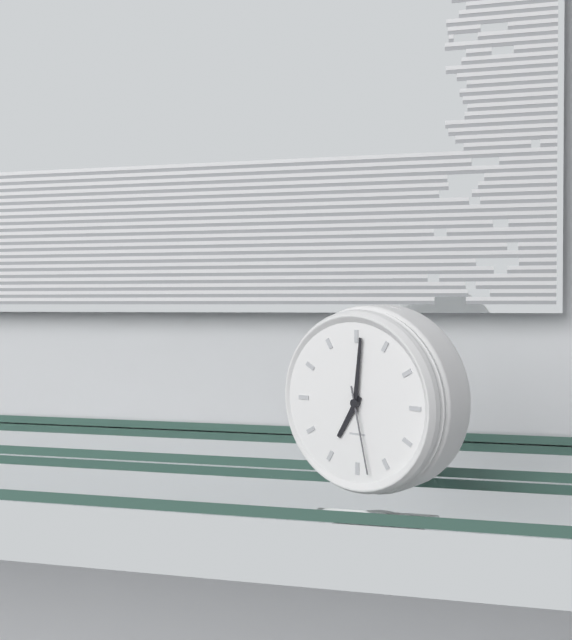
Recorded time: 7:01:28
